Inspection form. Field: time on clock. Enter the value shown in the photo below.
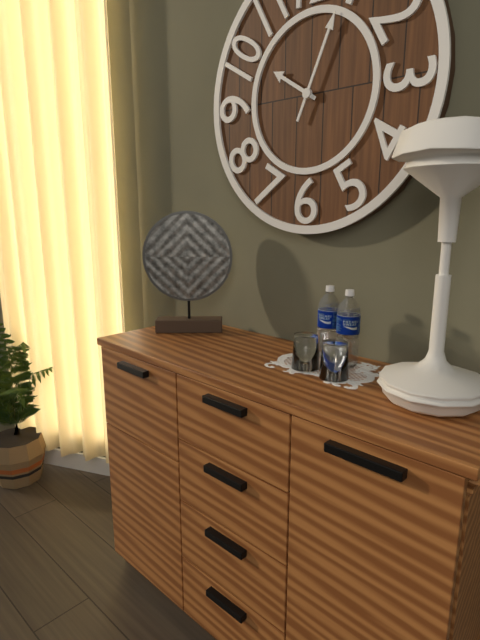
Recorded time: 10:04
